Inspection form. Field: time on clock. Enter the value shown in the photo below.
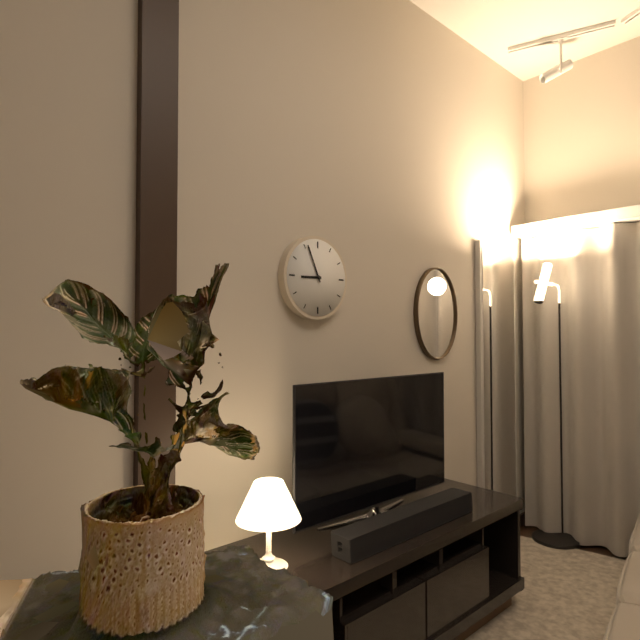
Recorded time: 8:56
